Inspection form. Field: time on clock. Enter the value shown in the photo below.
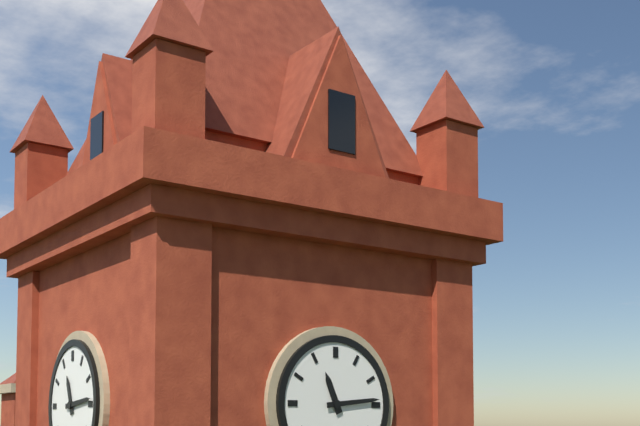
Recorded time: 11:14
